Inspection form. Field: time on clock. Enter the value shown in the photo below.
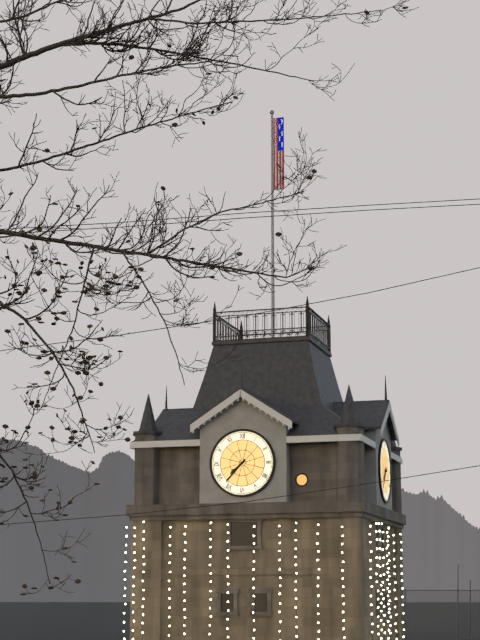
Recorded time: 7:37
